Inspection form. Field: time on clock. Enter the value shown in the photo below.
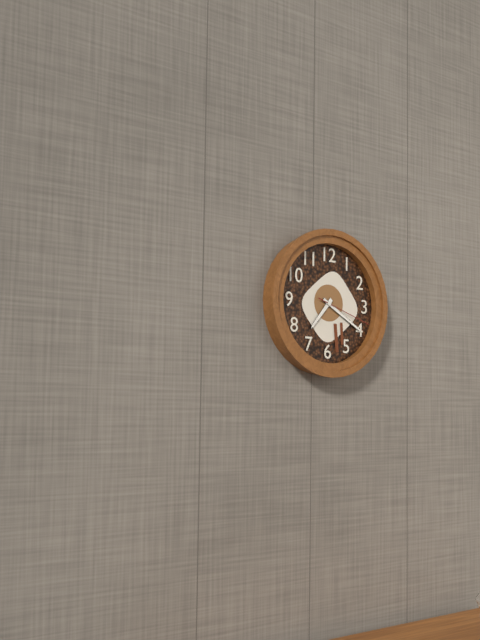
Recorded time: 7:20:18
